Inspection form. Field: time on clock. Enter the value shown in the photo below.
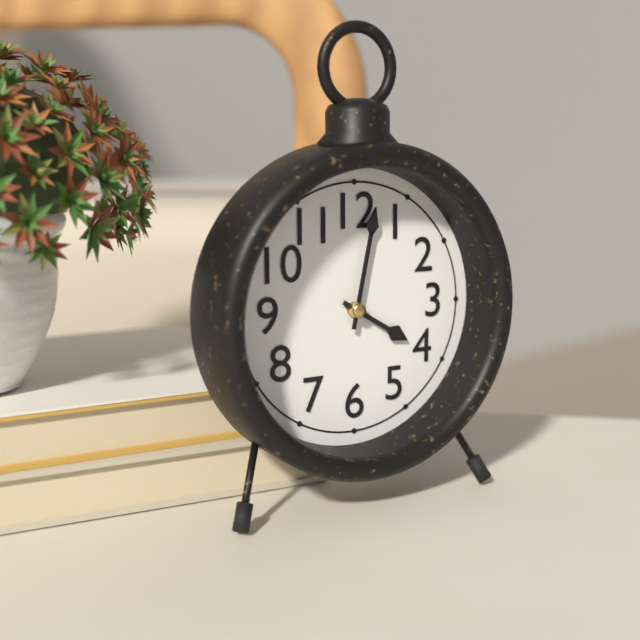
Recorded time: 4:02
